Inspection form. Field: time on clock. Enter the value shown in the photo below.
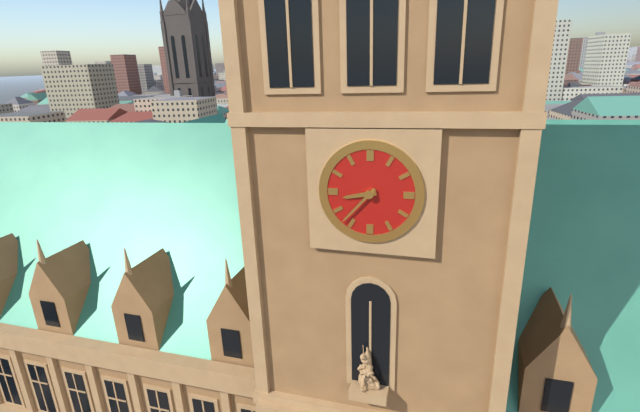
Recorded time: 8:37
